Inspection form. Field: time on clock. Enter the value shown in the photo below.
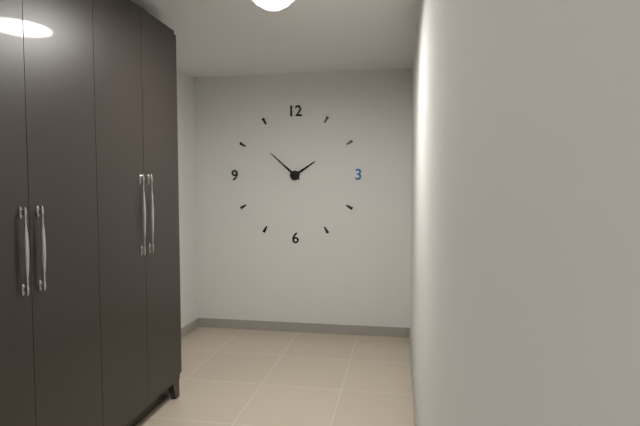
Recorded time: 1:52
